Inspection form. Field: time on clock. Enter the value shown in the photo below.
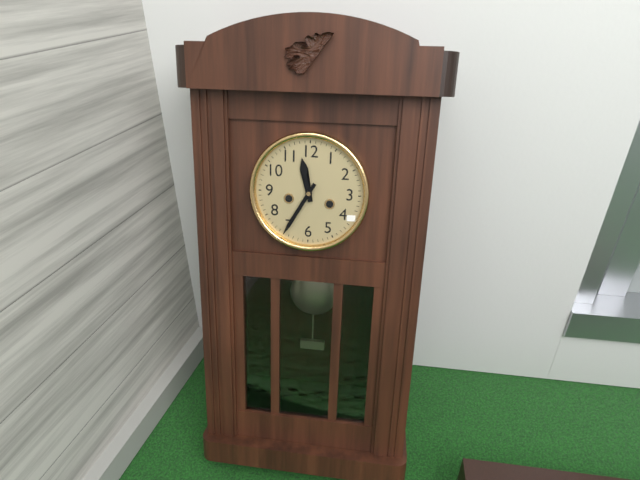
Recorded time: 11:35
